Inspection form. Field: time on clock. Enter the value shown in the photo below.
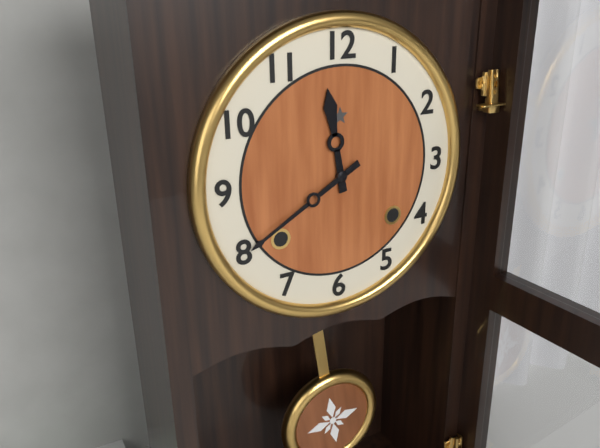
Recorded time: 11:40
